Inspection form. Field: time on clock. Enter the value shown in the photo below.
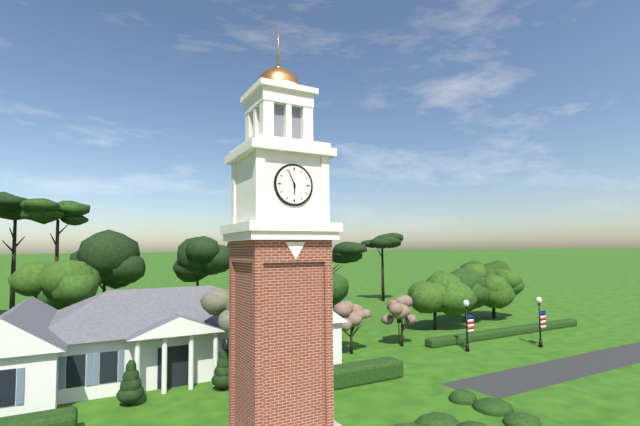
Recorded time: 5:56
